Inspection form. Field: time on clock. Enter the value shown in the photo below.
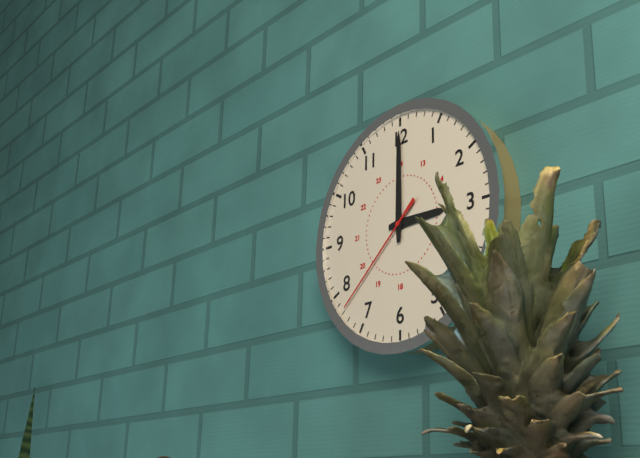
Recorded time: 3:00:38
